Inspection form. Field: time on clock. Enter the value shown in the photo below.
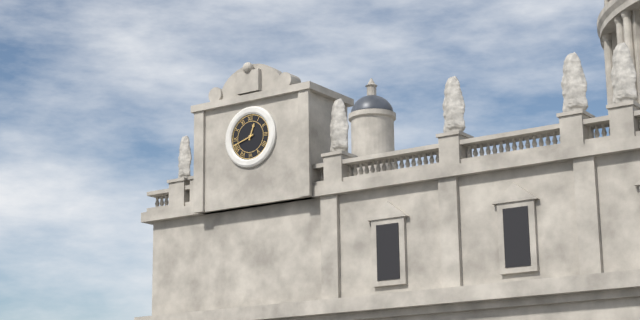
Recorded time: 12:42
